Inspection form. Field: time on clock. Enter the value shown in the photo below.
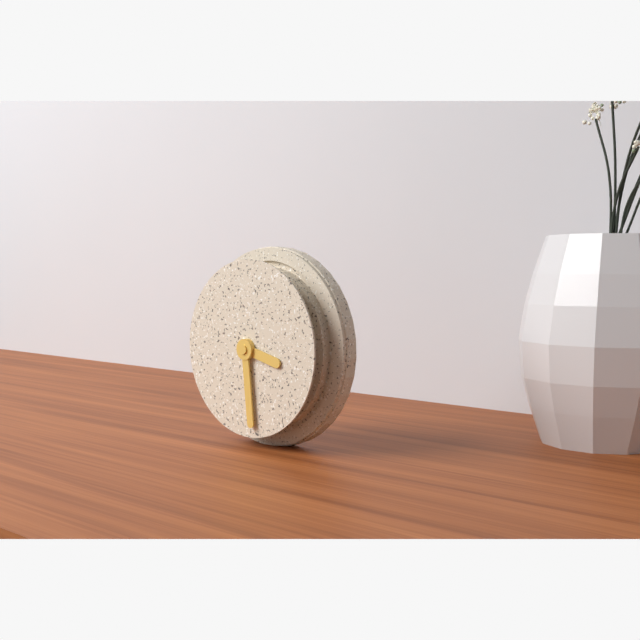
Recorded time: 3:29
